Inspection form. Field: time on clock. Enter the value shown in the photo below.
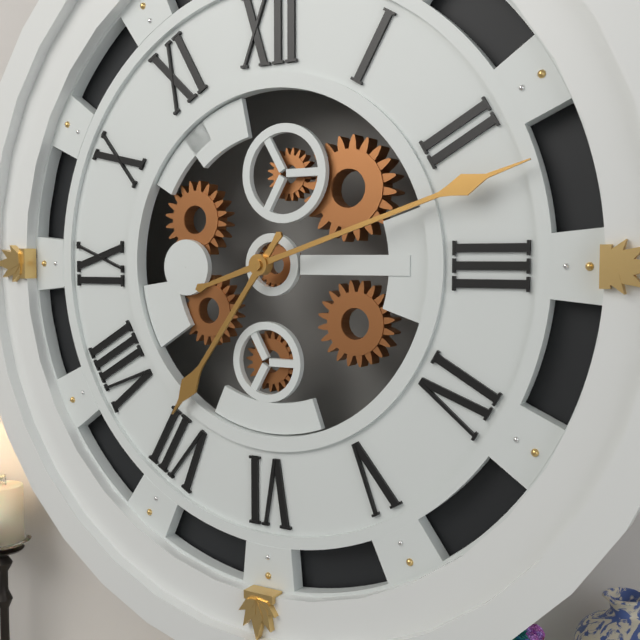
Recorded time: 7:12
